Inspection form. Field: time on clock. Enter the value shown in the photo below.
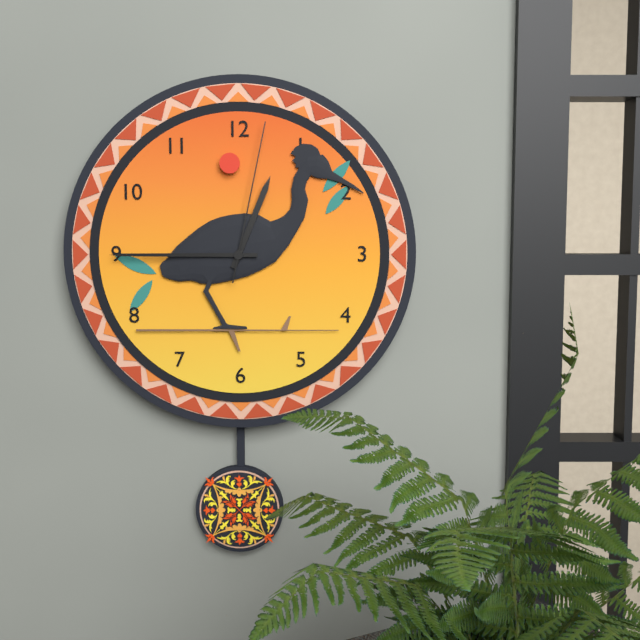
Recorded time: 12:45:02
